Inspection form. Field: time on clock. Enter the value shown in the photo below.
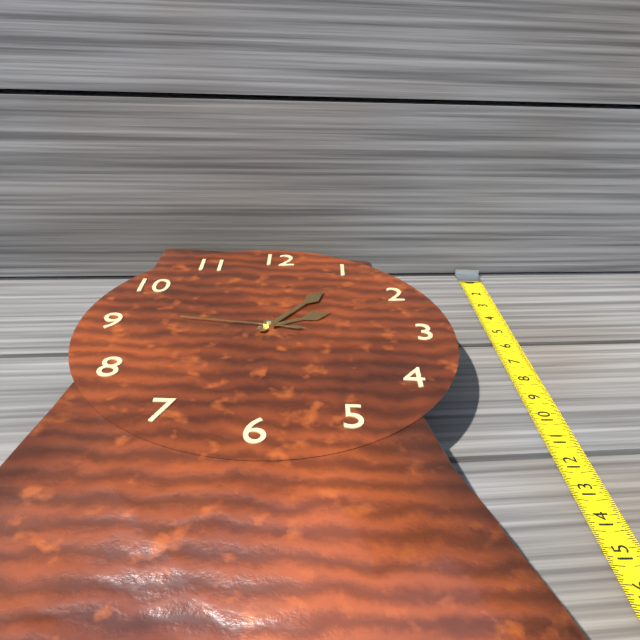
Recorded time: 2:06:46
